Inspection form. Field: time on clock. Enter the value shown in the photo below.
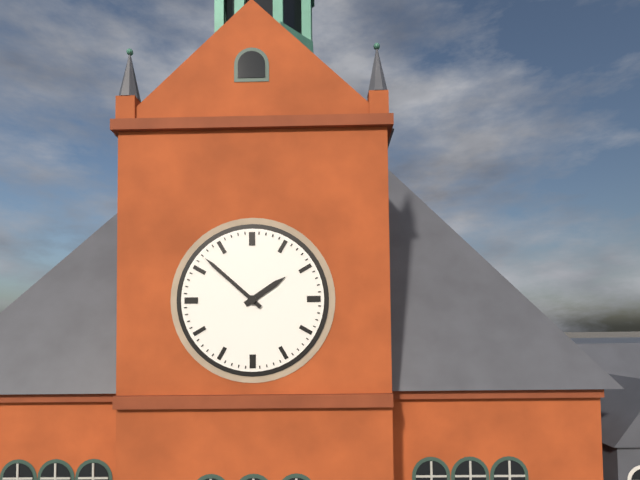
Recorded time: 1:52
